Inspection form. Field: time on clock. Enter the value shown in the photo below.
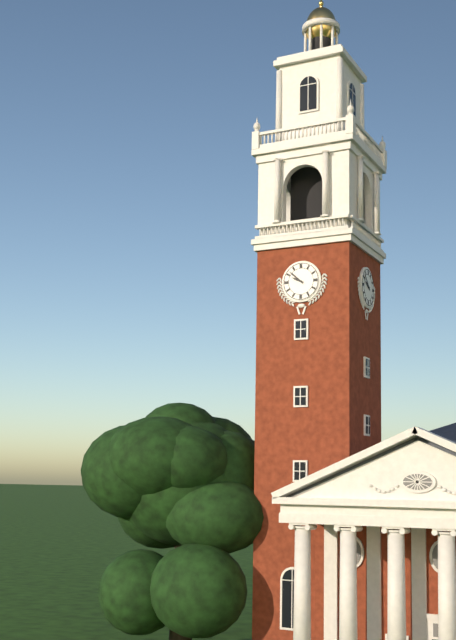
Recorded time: 9:52
